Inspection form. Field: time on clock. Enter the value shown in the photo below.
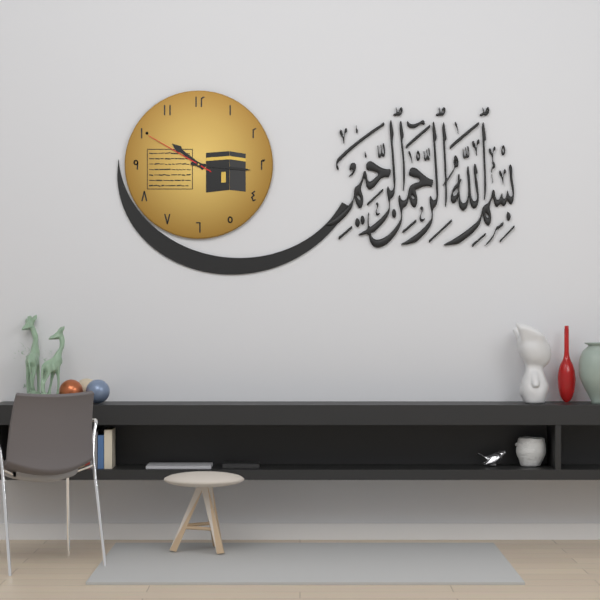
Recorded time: 10:16:50
